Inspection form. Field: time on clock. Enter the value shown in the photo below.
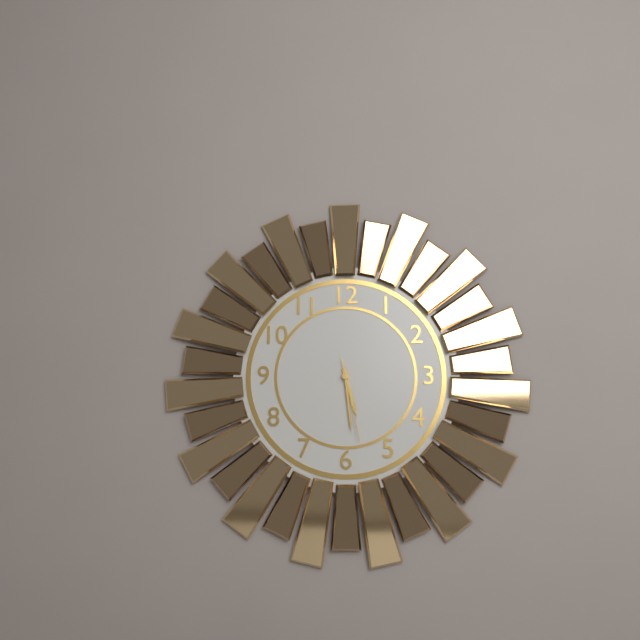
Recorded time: 5:29:28
